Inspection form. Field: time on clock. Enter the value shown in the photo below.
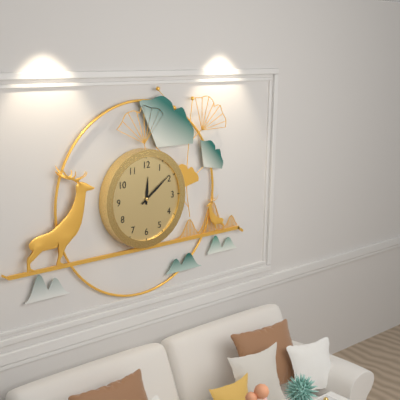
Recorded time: 12:09
